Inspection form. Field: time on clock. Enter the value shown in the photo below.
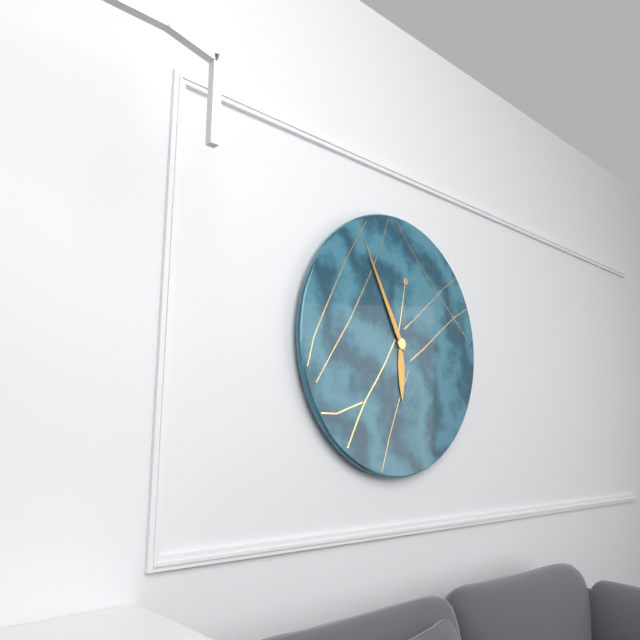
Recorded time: 5:55
